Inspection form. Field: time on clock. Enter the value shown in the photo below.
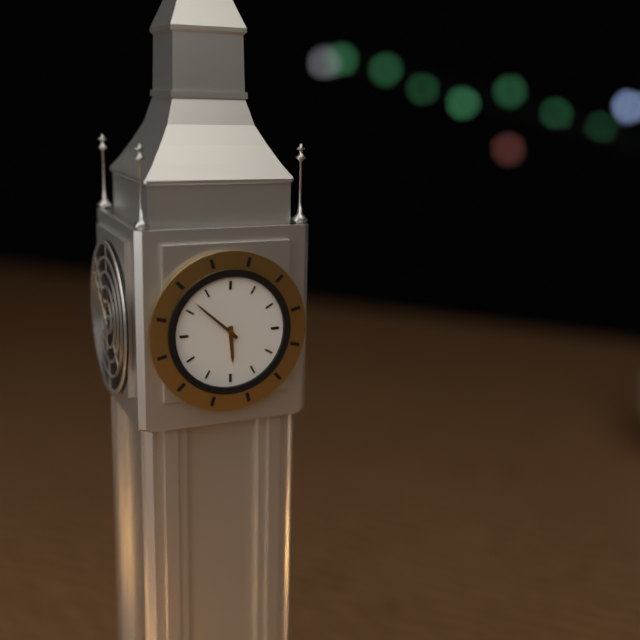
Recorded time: 5:52
